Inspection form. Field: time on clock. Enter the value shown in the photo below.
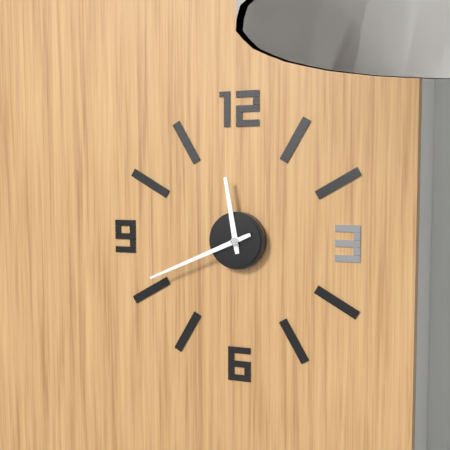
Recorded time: 11:41
